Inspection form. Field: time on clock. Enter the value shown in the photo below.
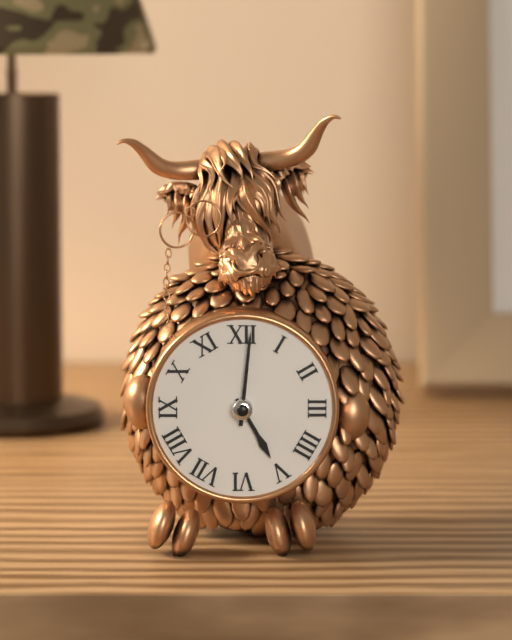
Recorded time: 5:01
